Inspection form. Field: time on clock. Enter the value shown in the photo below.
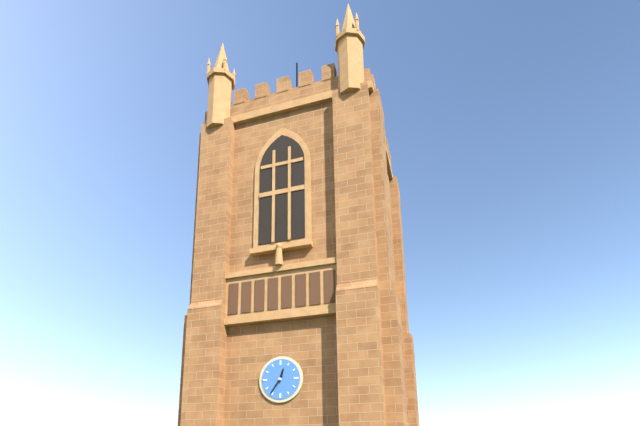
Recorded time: 12:36
